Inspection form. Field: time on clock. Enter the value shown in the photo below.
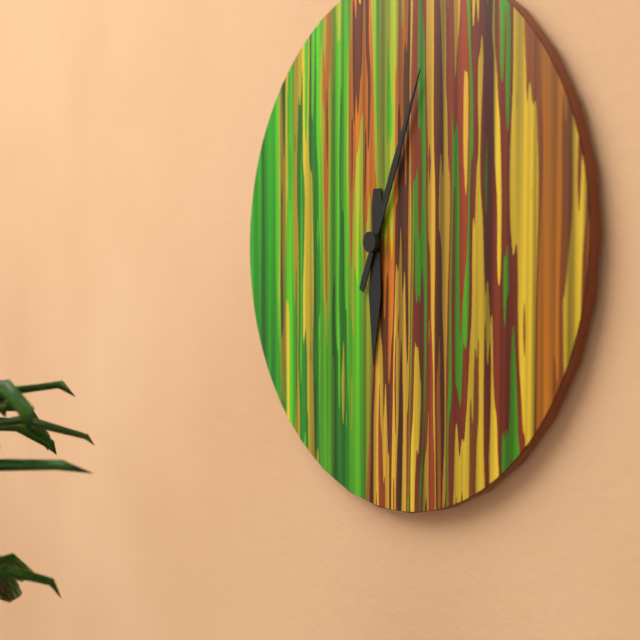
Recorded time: 6:04
